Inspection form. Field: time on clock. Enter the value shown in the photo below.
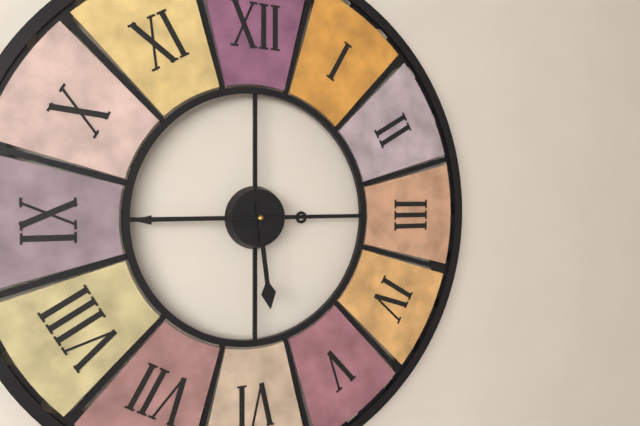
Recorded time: 5:45
